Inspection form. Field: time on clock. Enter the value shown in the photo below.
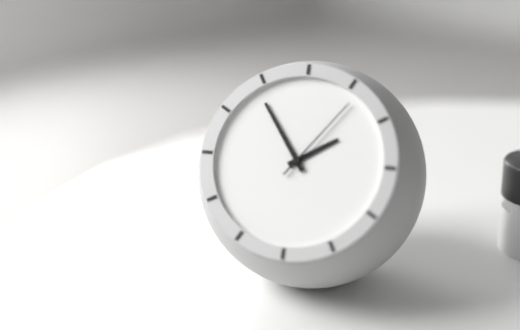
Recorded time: 1:54:06
